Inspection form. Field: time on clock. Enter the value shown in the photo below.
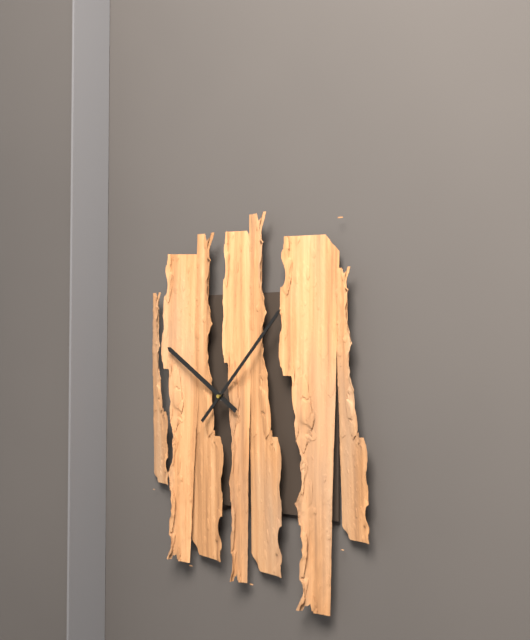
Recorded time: 10:07
